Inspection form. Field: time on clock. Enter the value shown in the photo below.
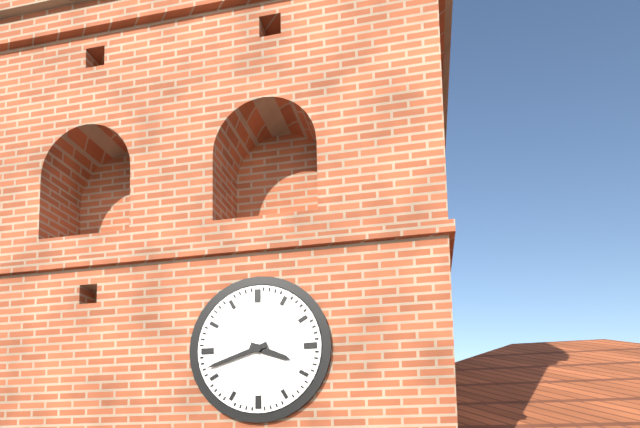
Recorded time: 3:42
